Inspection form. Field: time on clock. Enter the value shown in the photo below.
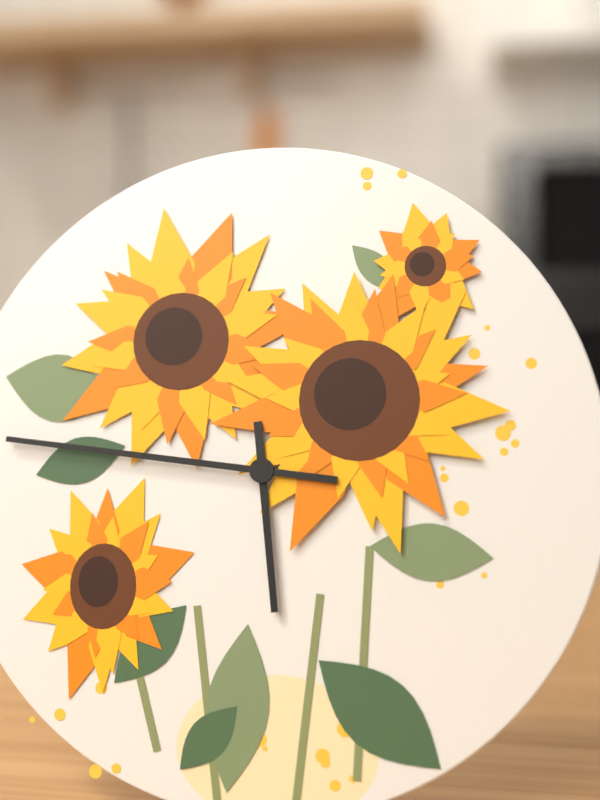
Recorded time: 5:46
